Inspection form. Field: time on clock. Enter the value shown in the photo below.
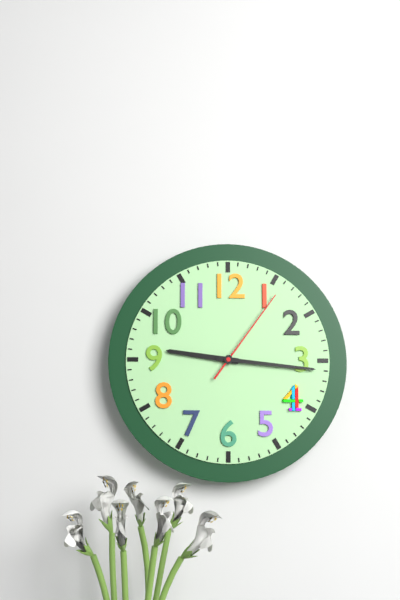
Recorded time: 9:16:06
